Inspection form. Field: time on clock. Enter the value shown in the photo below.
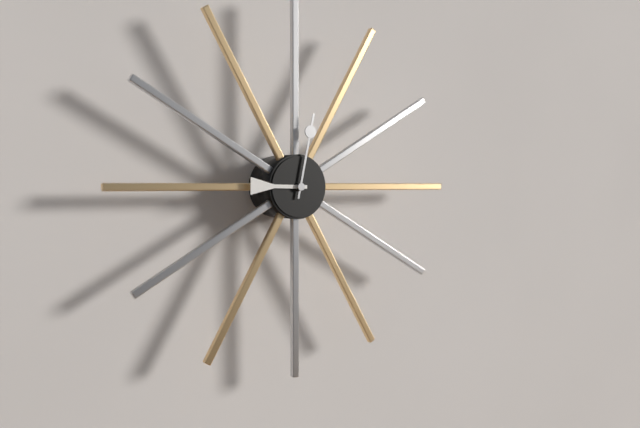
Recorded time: 9:02
